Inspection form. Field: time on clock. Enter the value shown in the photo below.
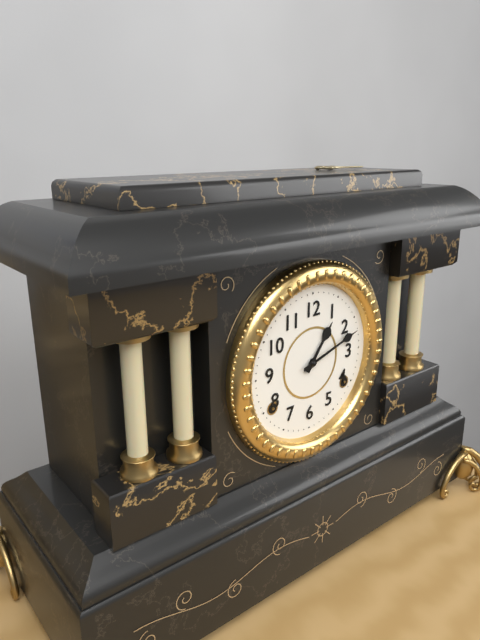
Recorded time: 1:12
